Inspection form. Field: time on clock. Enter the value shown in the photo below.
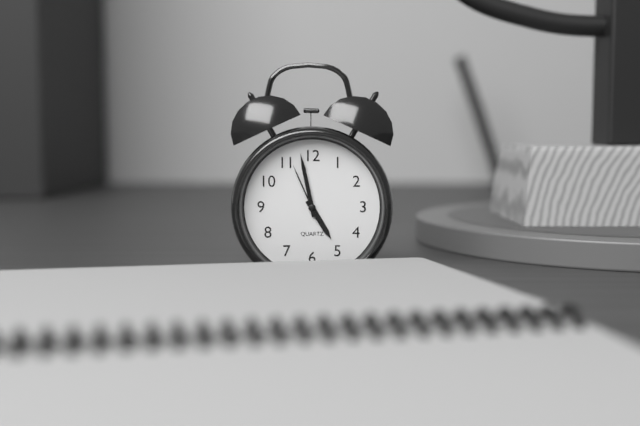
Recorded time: 4:58:56
